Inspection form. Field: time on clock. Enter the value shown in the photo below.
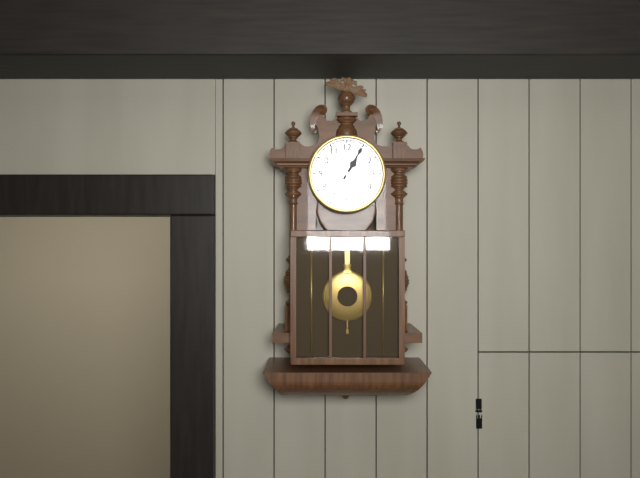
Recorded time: 1:05
